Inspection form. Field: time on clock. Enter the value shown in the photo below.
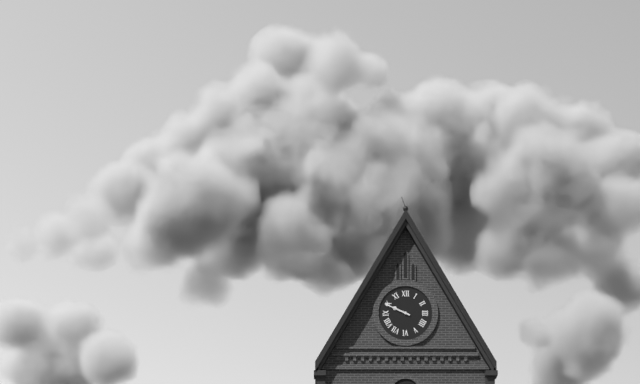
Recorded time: 9:49
